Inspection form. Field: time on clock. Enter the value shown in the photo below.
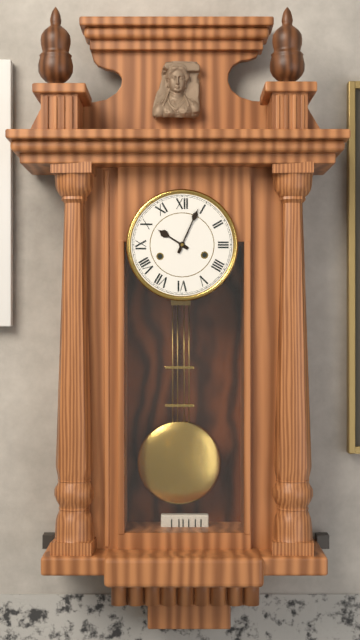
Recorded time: 10:04
